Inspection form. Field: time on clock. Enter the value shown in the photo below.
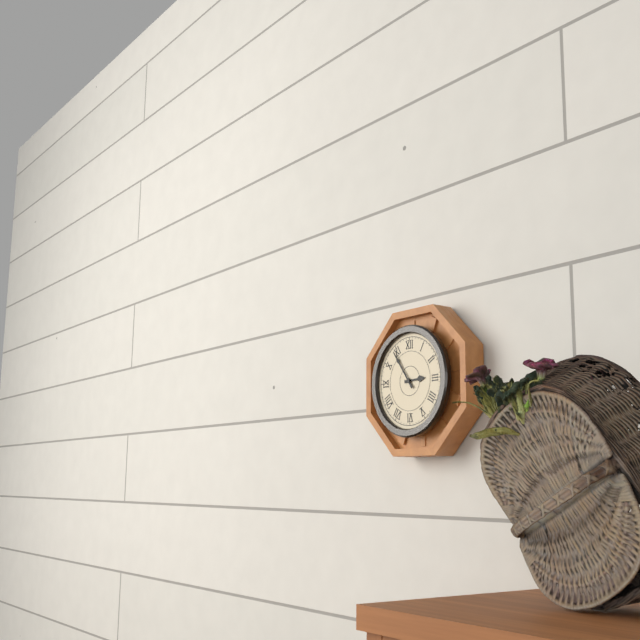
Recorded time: 2:54
